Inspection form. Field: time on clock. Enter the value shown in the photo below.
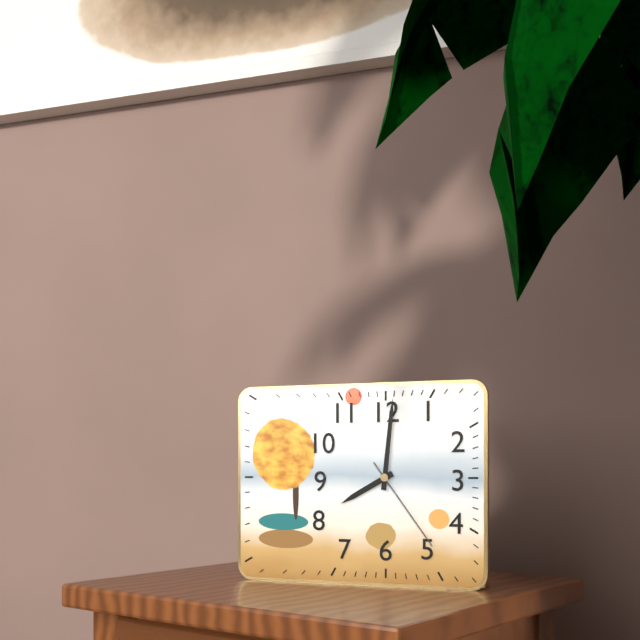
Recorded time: 8:01:24
